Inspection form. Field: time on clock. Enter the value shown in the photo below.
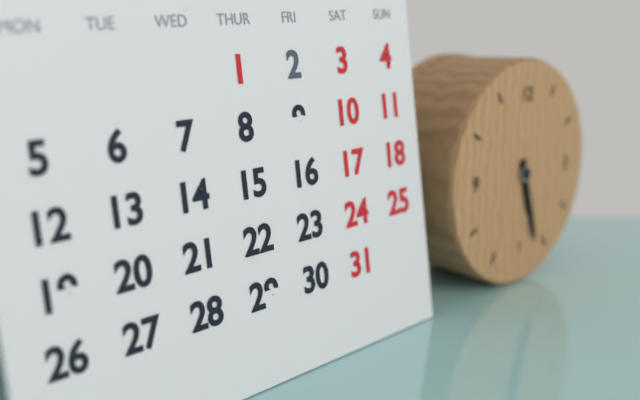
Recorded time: 5:27
